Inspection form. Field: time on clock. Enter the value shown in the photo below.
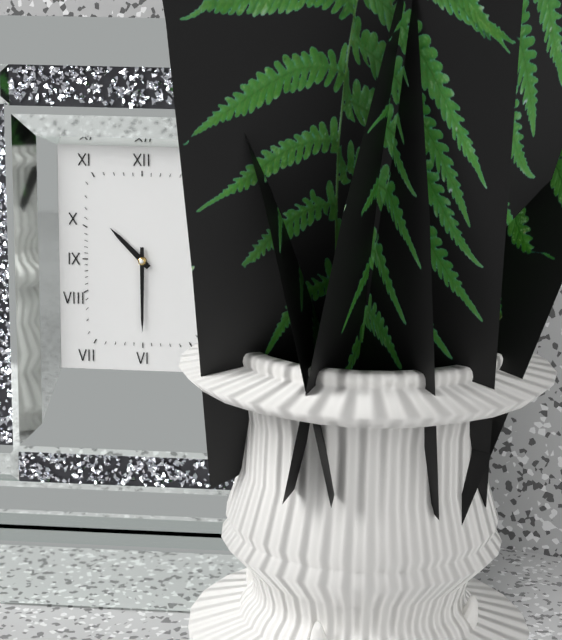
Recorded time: 10:30
